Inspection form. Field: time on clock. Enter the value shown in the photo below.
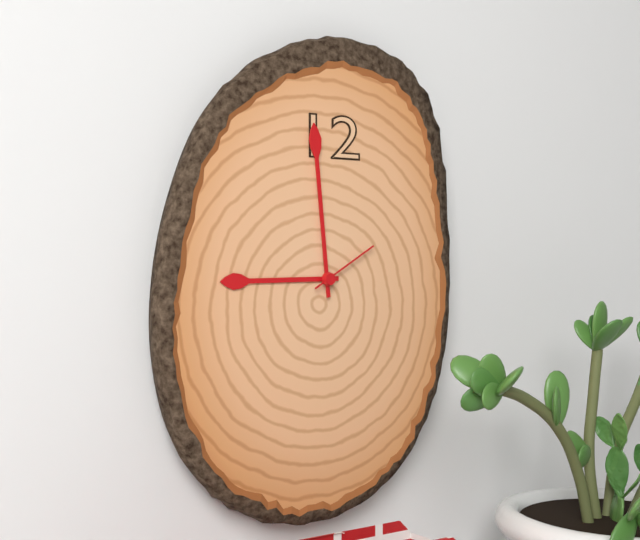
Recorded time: 8:59:10
